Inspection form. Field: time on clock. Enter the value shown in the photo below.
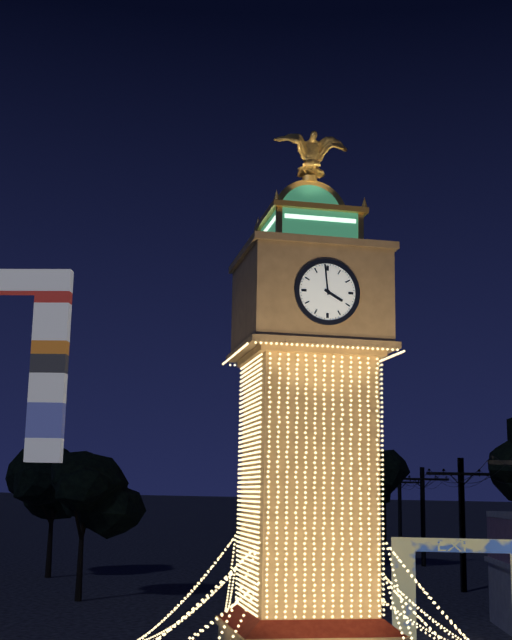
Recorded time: 3:59
